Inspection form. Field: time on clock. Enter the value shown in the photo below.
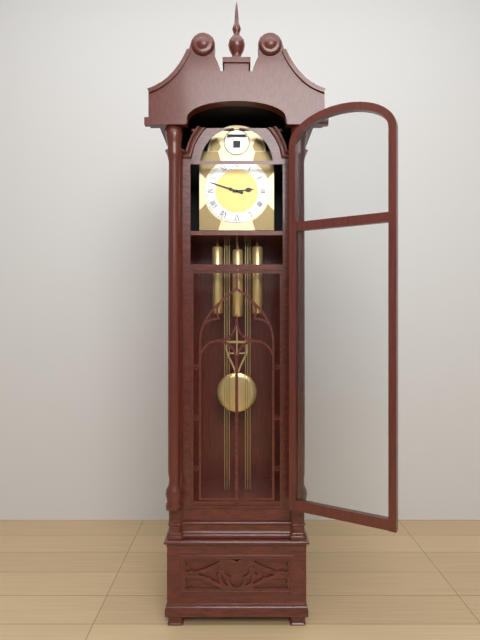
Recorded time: 2:48
